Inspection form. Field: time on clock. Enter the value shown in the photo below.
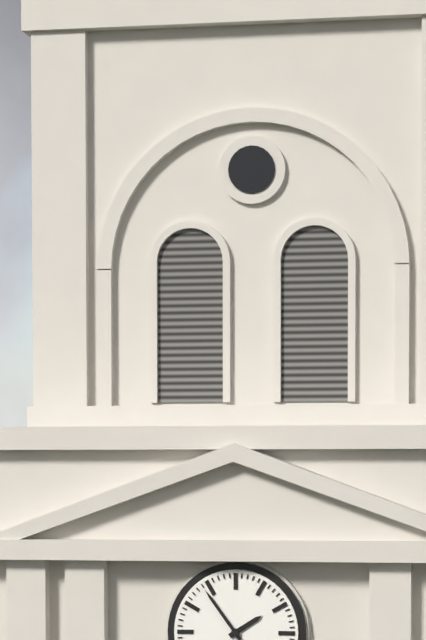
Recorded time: 1:54
